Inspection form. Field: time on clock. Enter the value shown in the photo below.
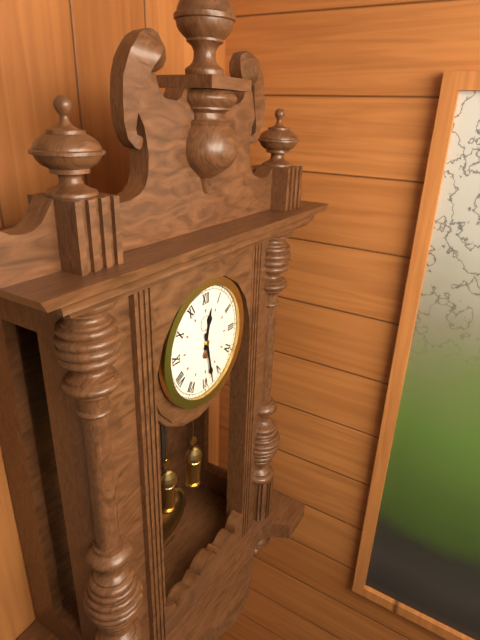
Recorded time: 12:28
